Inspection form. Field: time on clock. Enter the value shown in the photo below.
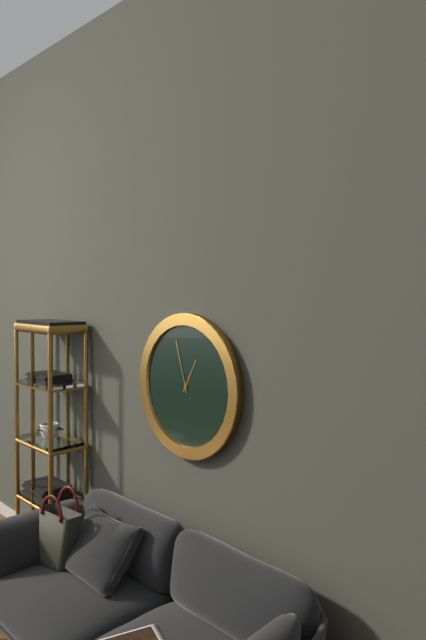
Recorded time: 12:57
